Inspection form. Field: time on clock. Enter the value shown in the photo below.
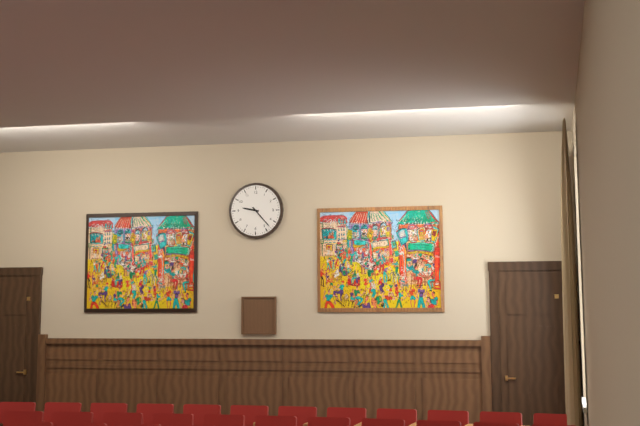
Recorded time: 9:23
